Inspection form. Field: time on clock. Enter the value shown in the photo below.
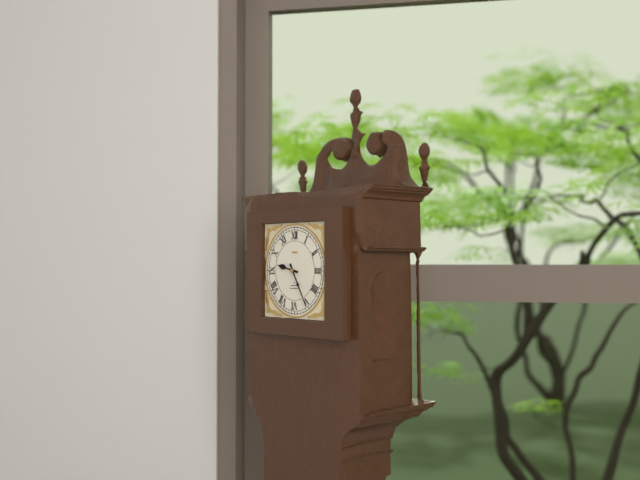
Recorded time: 9:25
